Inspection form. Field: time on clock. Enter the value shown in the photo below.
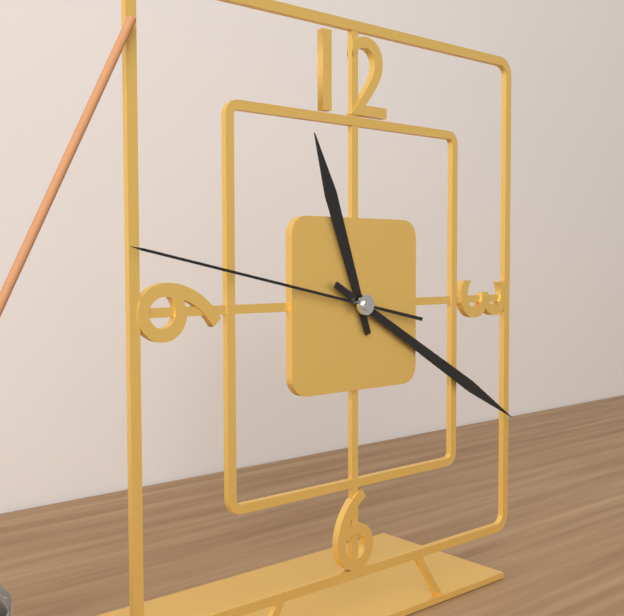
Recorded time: 11:20:47
